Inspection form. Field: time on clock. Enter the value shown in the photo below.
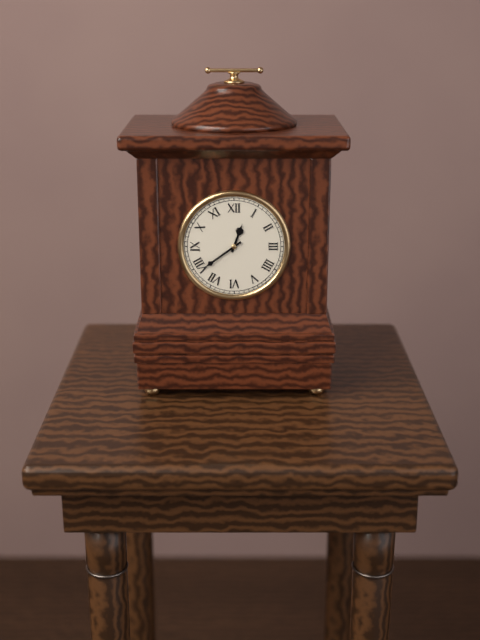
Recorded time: 12:39
